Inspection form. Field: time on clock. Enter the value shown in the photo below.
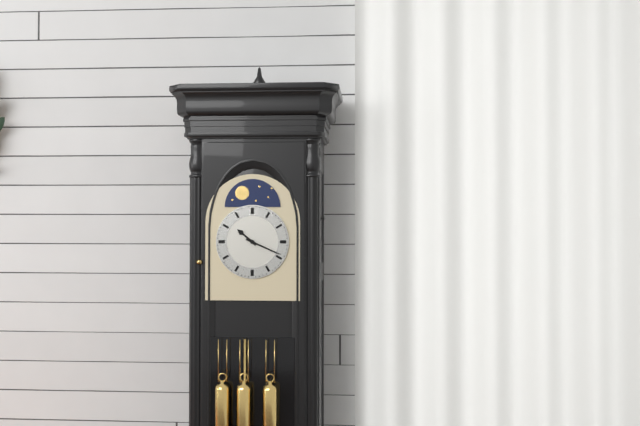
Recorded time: 10:19
